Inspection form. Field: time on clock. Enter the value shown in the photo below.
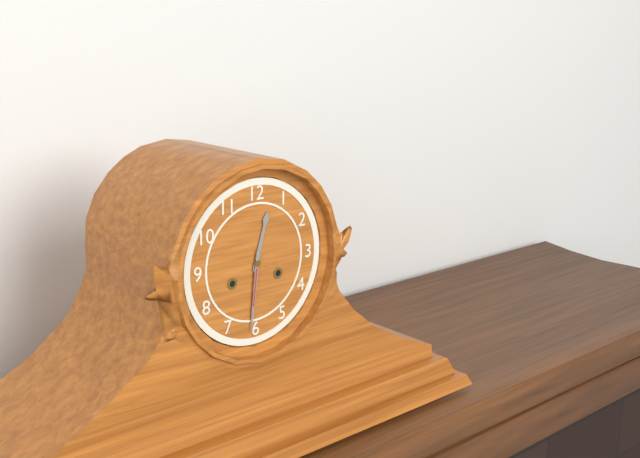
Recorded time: 12:31
